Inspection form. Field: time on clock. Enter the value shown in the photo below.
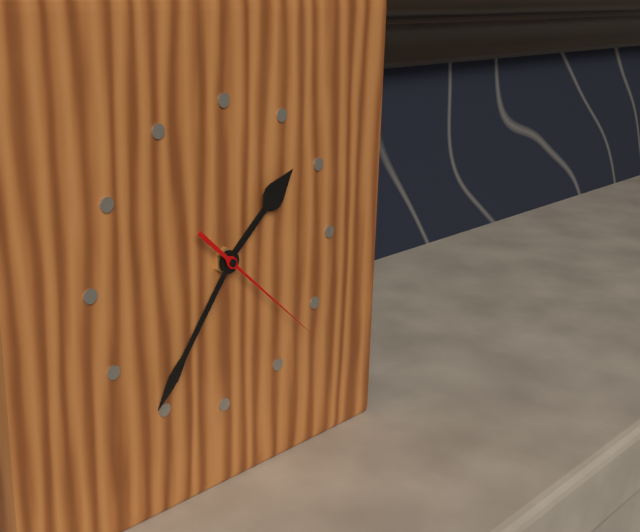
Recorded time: 1:36:22
